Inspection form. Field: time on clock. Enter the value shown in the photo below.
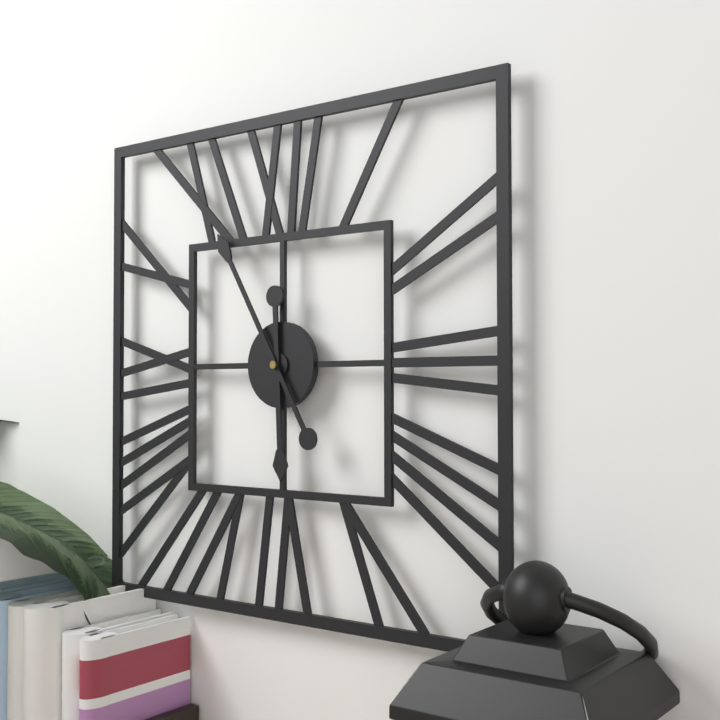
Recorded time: 5:55
